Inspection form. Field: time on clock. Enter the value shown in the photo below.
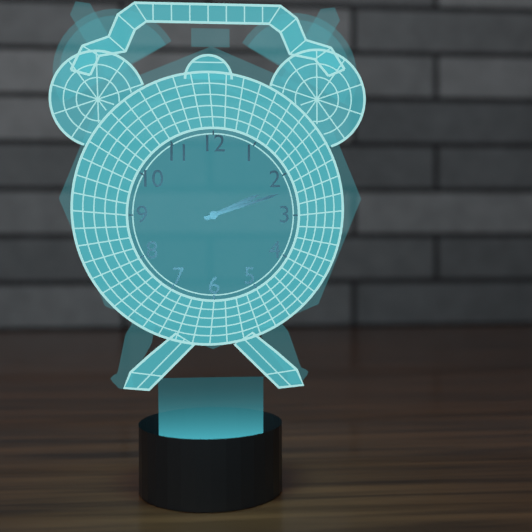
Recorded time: 2:12
